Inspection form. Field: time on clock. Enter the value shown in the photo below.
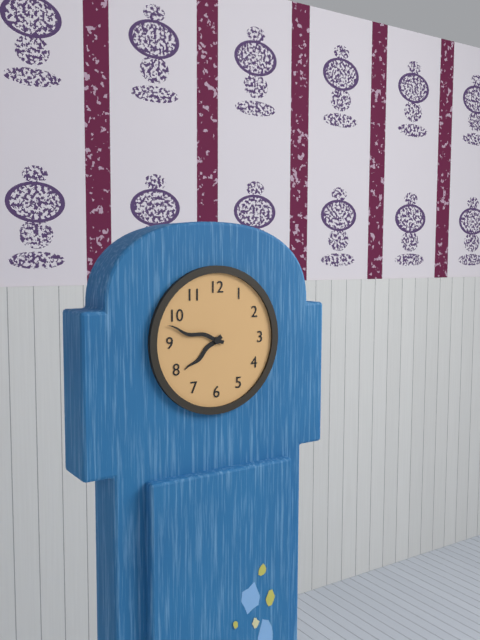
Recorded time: 7:48
